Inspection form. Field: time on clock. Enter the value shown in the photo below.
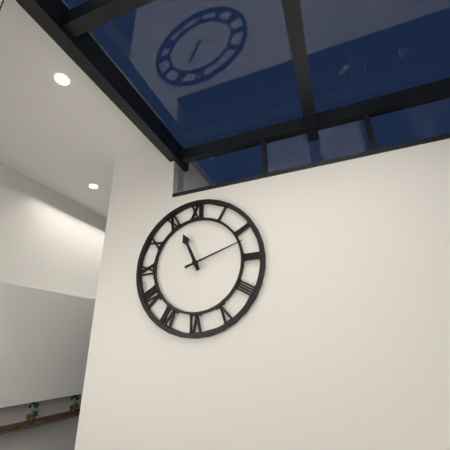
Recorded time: 11:12
